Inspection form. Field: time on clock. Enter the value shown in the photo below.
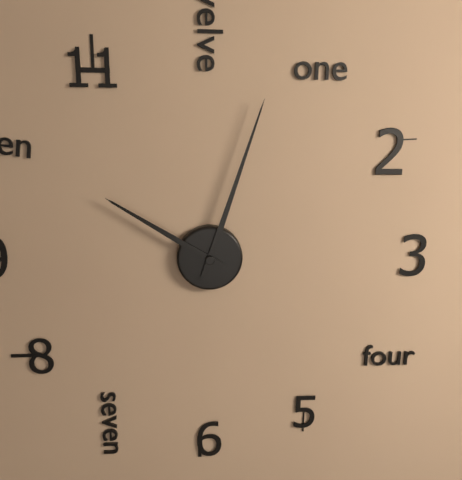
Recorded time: 10:03
